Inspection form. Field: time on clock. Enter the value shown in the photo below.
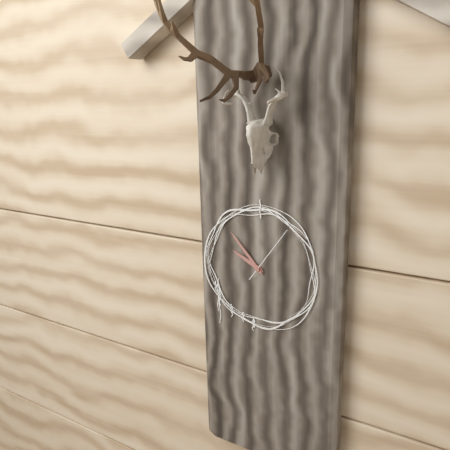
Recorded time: 9:53:06
